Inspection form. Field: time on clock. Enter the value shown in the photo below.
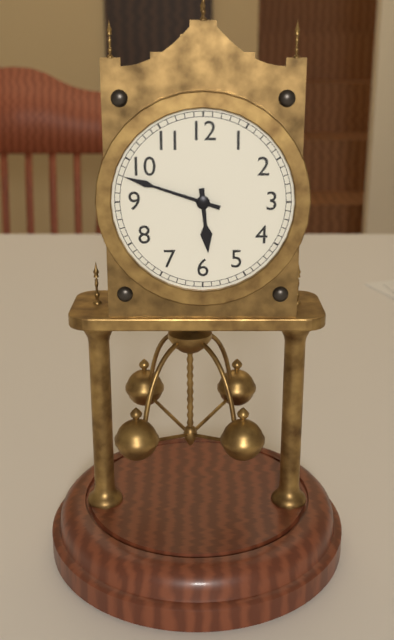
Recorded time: 5:48
